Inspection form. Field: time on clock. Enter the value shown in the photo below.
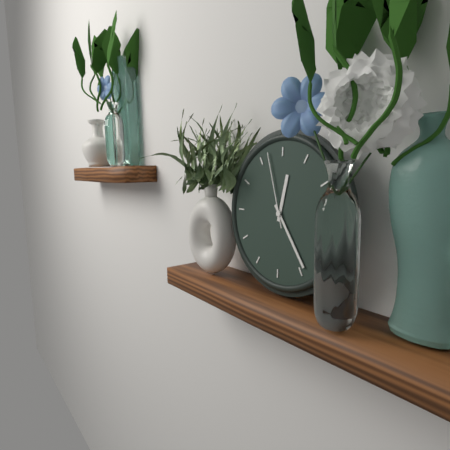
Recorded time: 12:24:57
